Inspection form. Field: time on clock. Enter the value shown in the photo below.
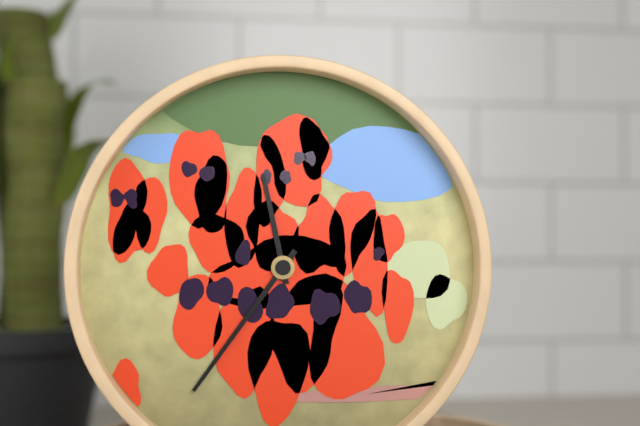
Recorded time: 11:36
